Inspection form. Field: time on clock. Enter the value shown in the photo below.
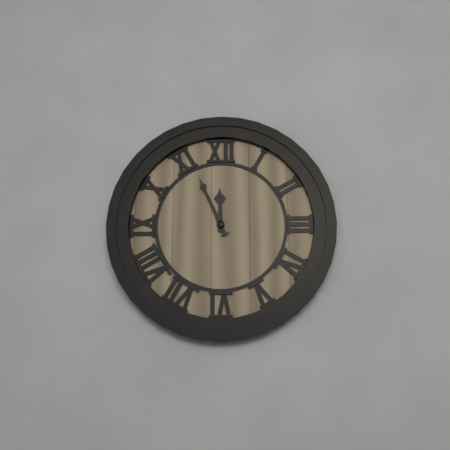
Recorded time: 11:56
